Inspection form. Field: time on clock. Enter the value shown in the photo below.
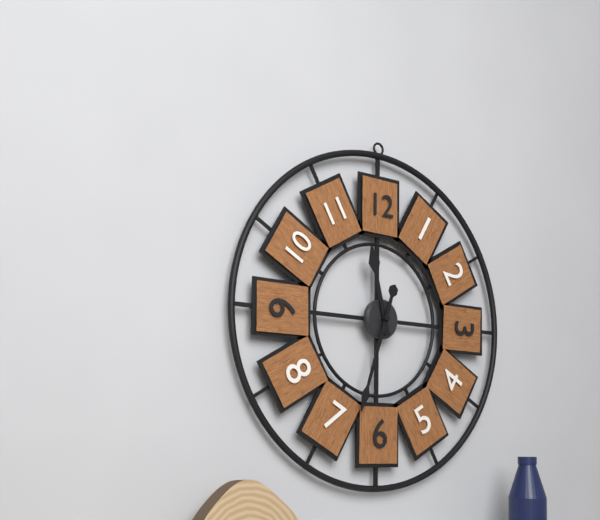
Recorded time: 11:33
